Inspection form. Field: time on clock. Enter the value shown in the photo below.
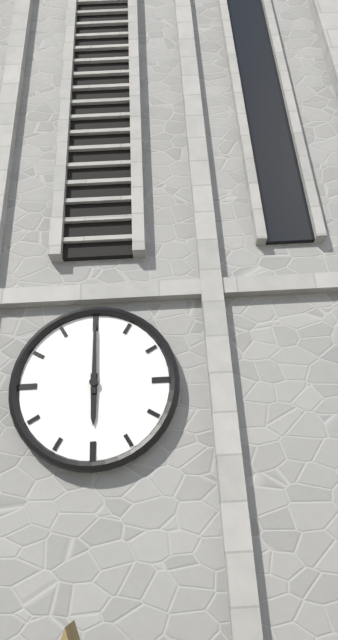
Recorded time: 6:00
